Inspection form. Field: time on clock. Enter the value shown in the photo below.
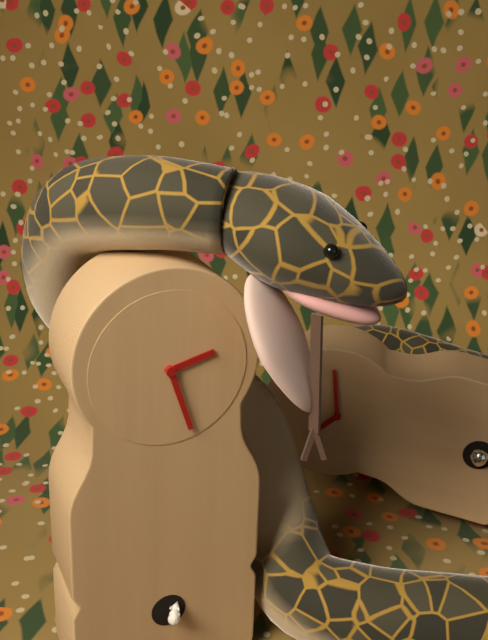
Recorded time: 2:27
